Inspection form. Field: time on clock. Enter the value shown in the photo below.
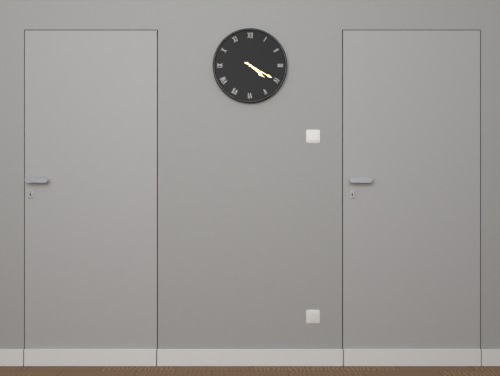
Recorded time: 4:20
